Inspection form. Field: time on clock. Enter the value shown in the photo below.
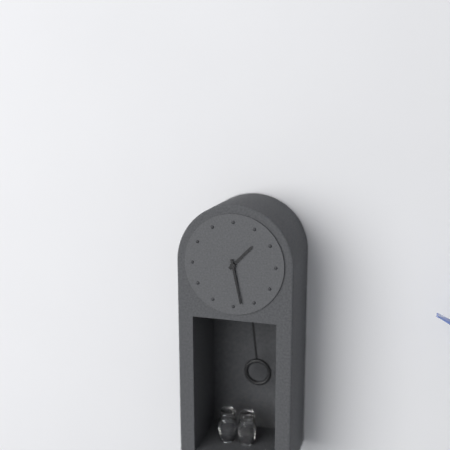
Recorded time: 1:28
